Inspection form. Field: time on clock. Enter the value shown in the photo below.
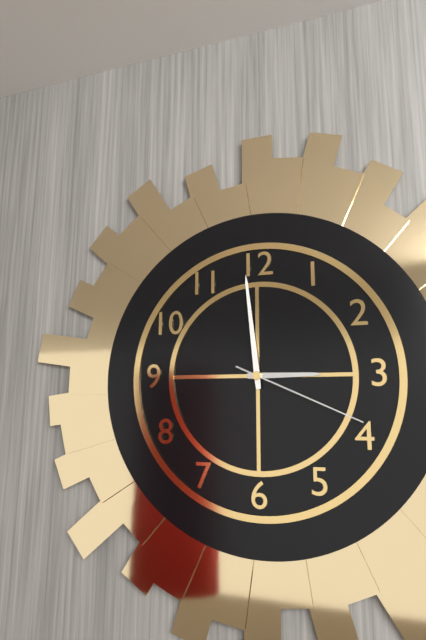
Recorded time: 2:59:19
